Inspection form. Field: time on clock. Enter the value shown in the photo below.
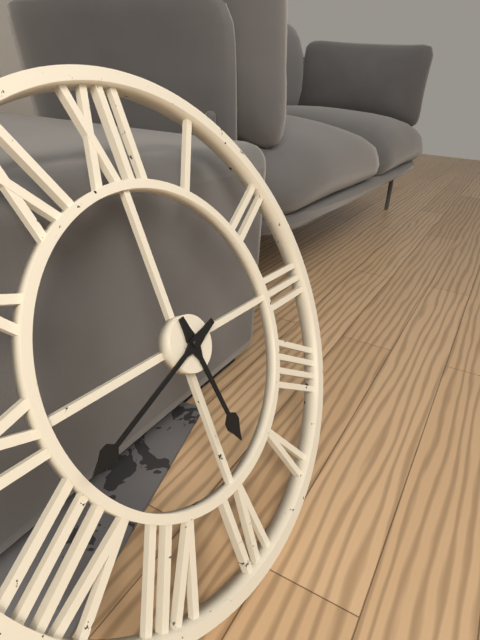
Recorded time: 5:42
